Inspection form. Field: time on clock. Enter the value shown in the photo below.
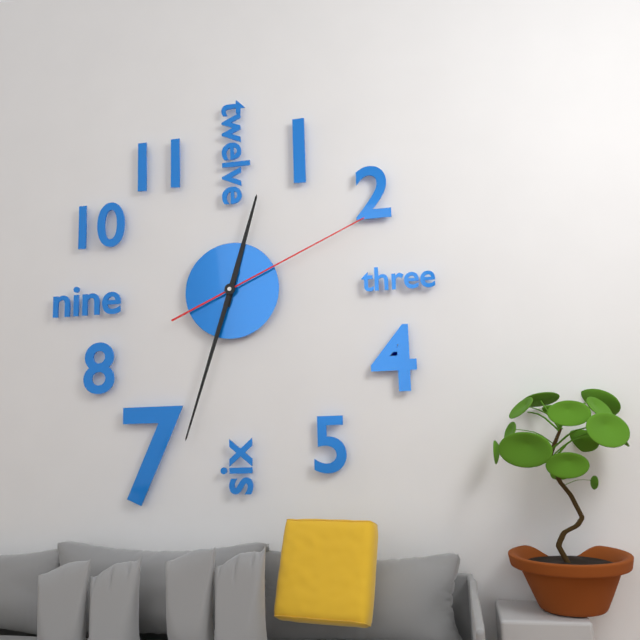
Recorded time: 12:33:11
